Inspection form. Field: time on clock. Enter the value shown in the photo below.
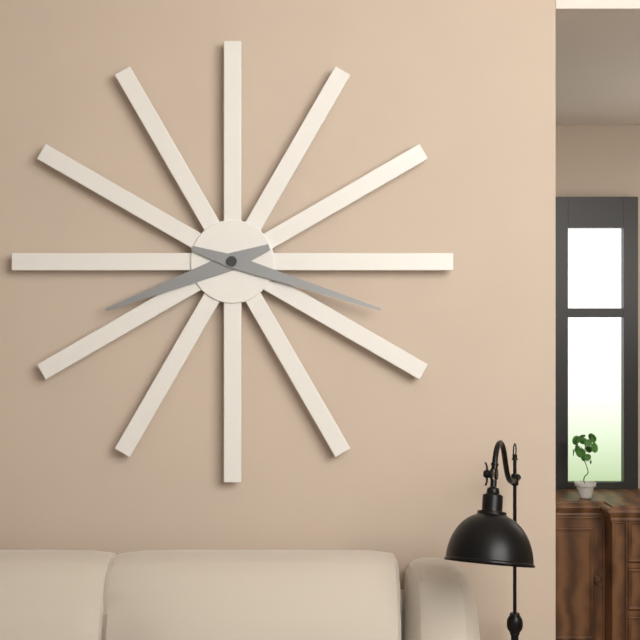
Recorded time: 8:18
